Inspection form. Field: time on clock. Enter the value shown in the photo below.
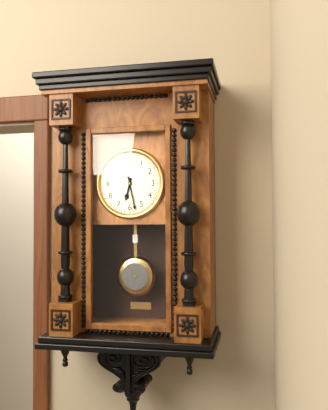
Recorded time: 6:28
